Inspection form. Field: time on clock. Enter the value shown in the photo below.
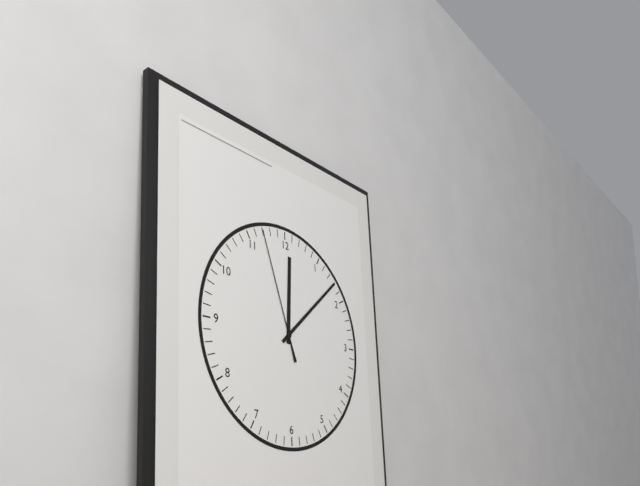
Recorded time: 12:08:57
